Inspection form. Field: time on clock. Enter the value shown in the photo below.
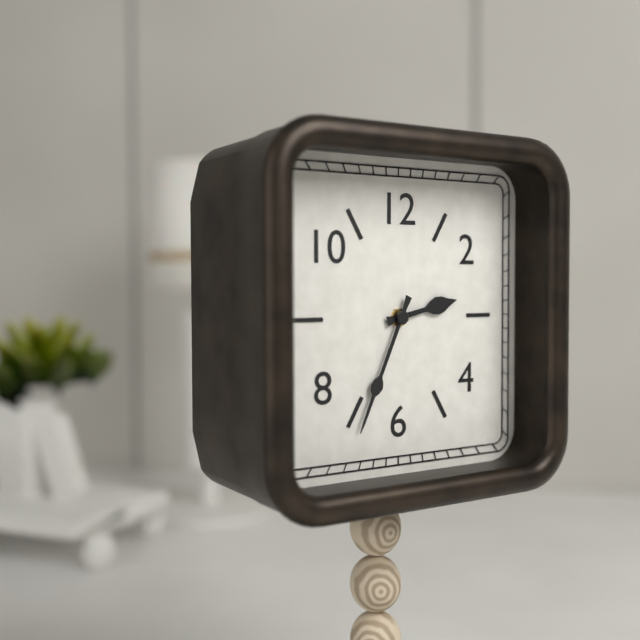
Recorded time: 2:34
